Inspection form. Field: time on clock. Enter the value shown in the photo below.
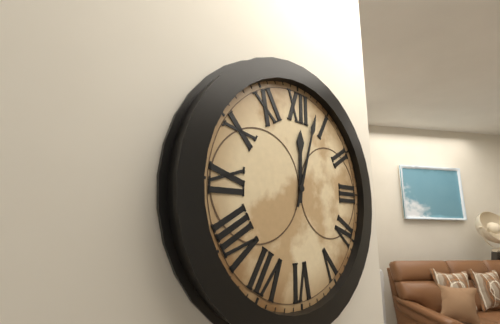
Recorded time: 12:03
